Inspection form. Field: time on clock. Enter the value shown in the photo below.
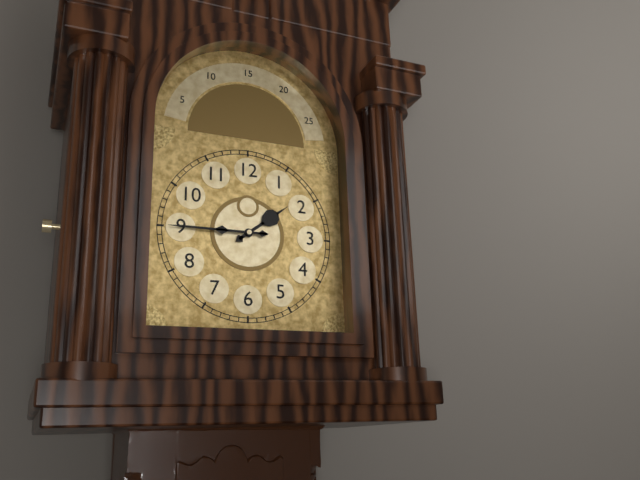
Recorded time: 1:45
